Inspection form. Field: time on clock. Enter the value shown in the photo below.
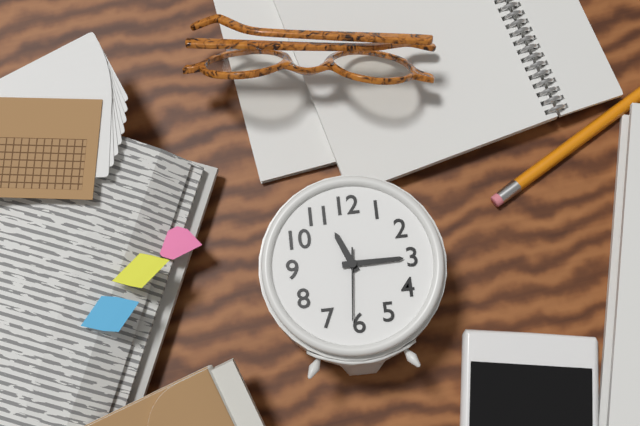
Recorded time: 11:15:31
